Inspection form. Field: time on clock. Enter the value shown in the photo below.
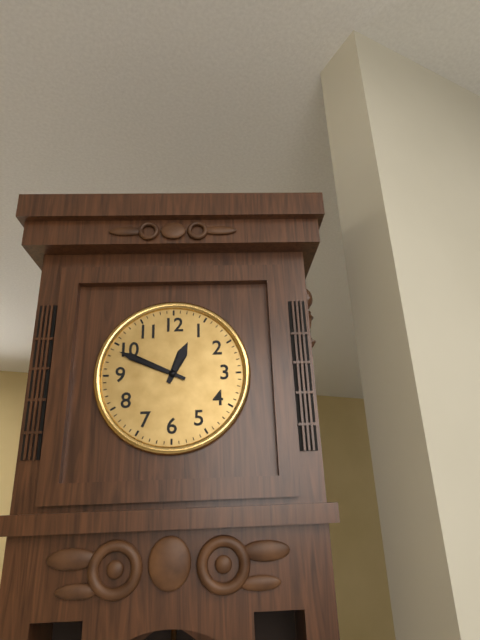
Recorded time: 12:49
